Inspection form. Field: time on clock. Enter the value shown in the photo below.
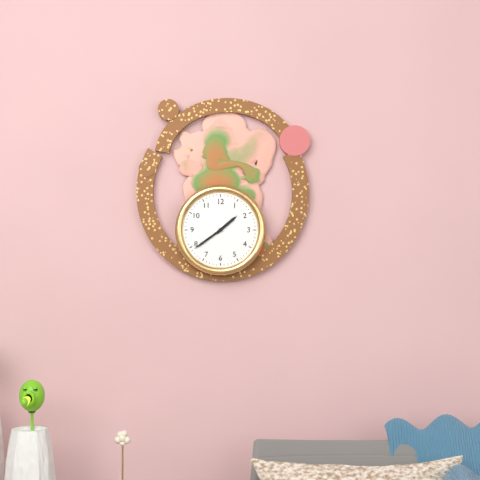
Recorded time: 1:39
